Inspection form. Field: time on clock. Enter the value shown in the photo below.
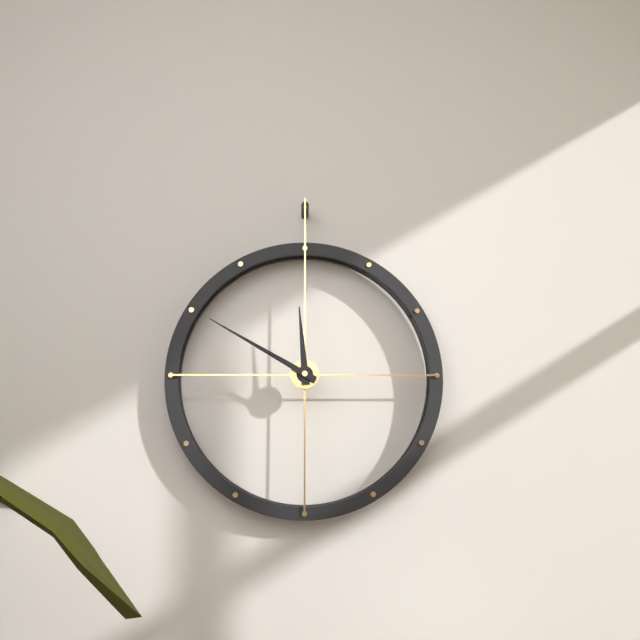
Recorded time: 11:50
